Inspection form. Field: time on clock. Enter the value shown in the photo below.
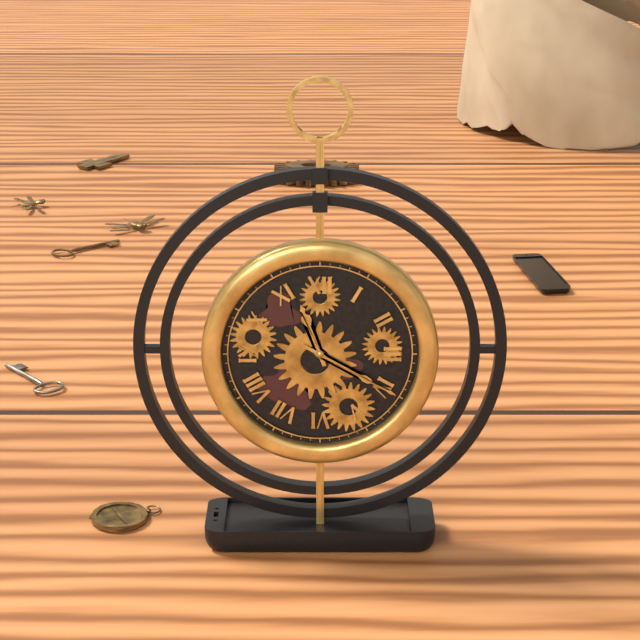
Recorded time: 11:20
